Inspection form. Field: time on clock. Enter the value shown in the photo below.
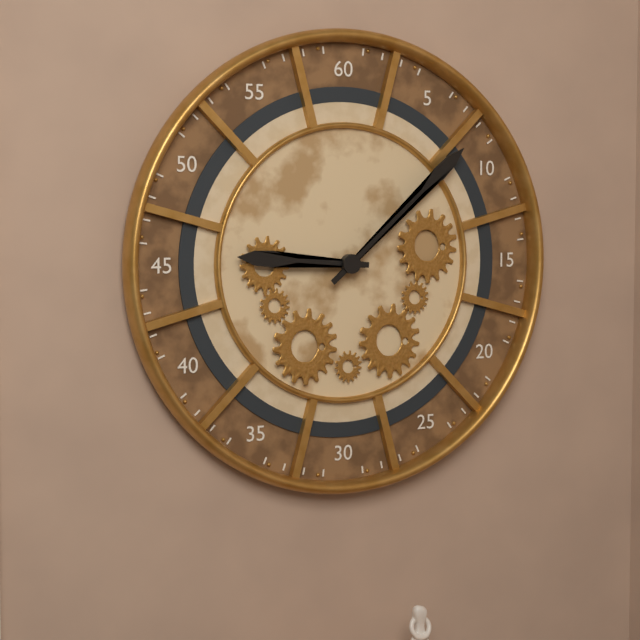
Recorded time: 9:08
